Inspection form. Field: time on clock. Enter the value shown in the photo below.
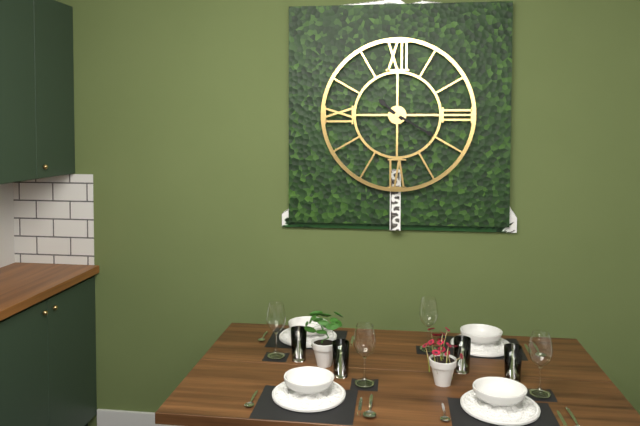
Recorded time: 10:20
